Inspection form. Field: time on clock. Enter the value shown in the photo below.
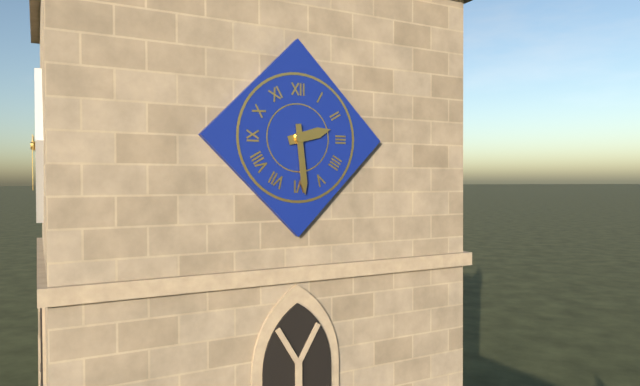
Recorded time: 2:29
